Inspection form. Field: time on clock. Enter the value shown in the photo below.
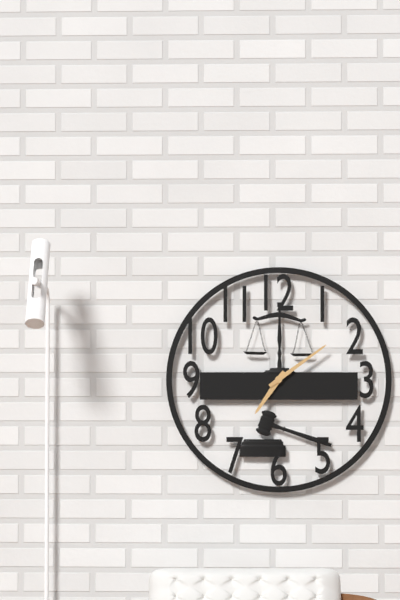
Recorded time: 7:09
